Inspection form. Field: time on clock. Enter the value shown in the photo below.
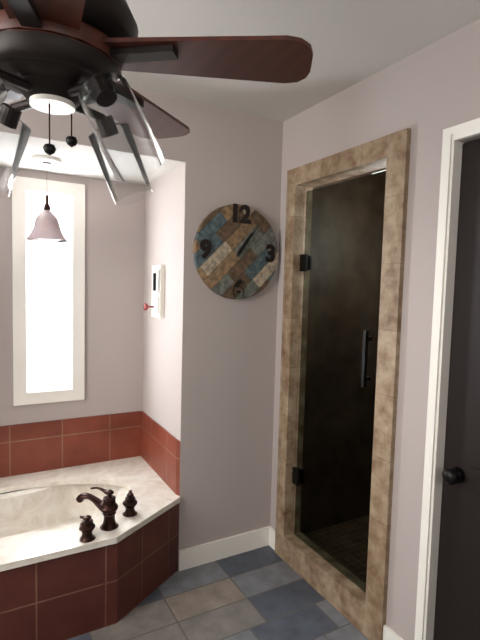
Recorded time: 1:06
